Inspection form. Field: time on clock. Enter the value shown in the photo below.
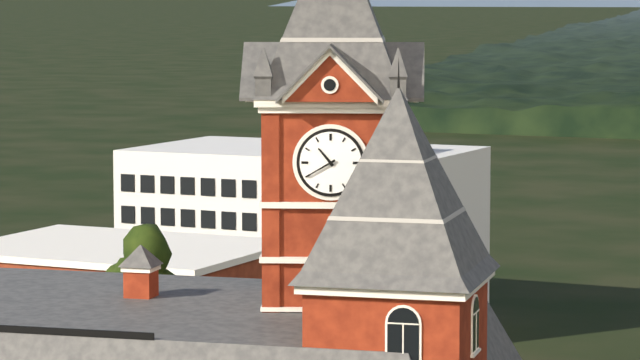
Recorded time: 10:40
